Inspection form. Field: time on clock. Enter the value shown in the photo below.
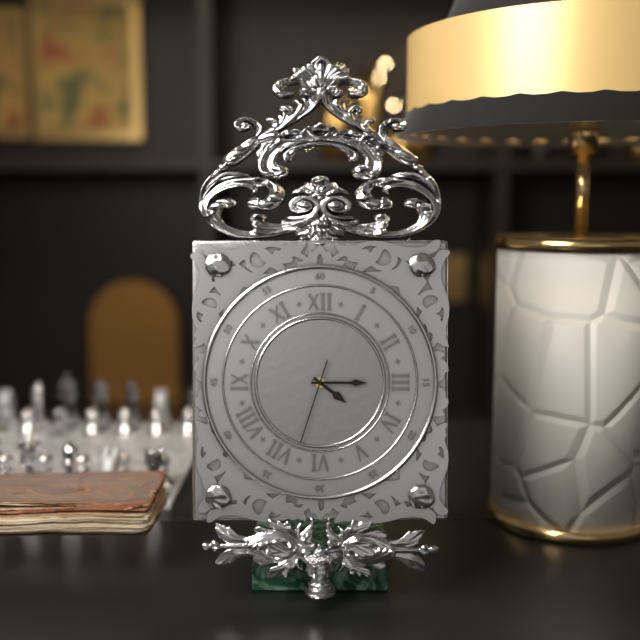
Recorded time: 4:15:33
